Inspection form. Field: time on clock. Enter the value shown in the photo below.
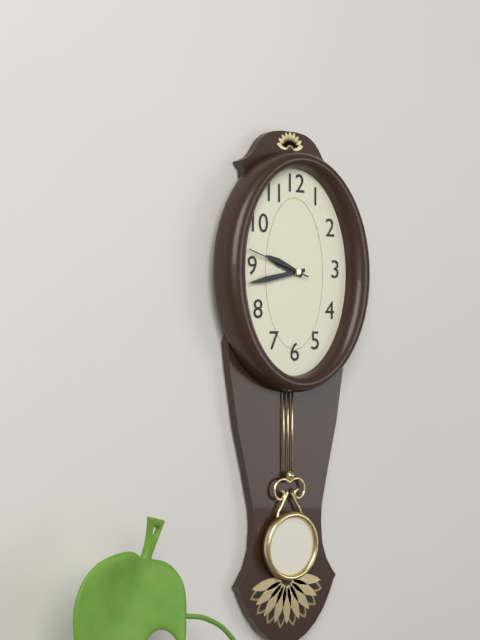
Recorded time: 9:43:48
